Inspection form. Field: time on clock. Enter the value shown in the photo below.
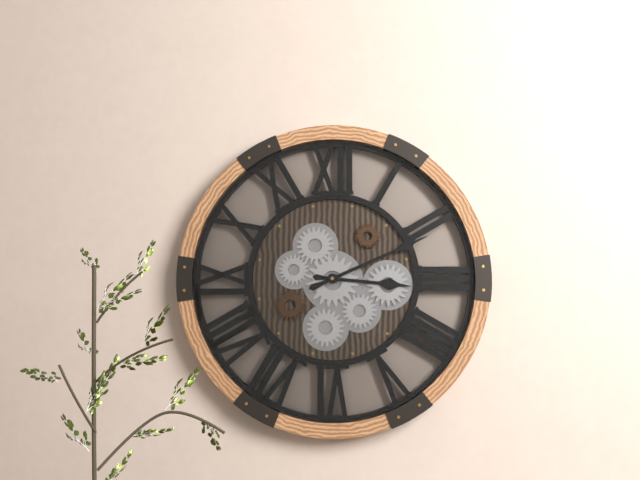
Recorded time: 3:11
